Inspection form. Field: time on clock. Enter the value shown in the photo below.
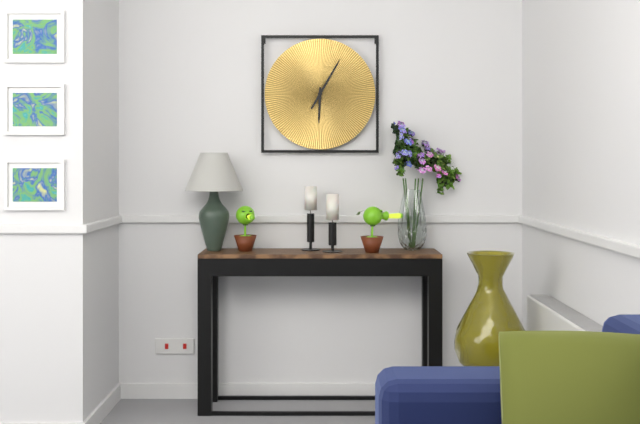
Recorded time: 6:05
